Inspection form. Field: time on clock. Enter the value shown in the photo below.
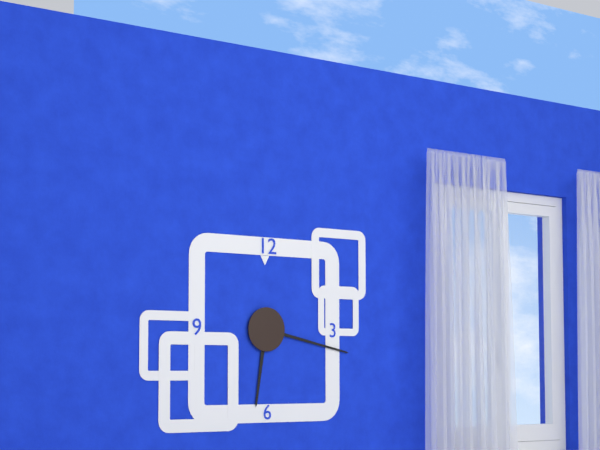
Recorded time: 6:17
